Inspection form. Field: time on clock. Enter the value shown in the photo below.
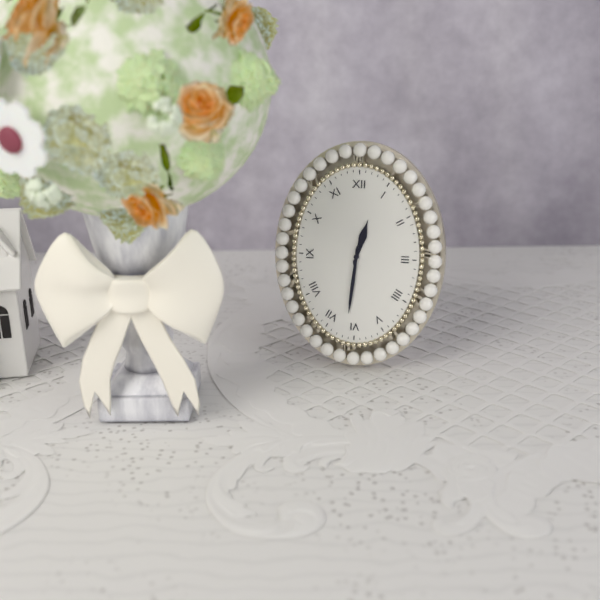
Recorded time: 12:31
